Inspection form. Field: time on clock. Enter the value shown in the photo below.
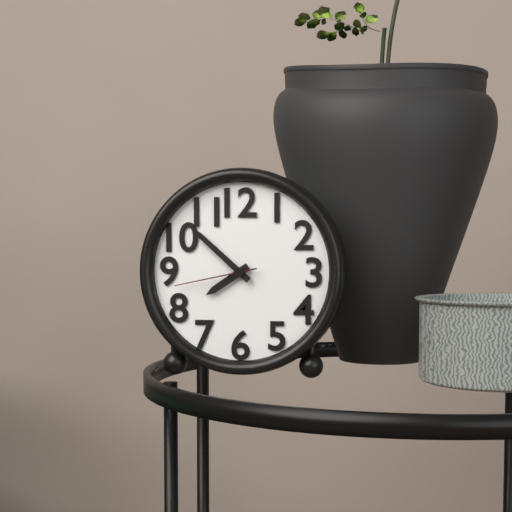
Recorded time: 7:52:43
